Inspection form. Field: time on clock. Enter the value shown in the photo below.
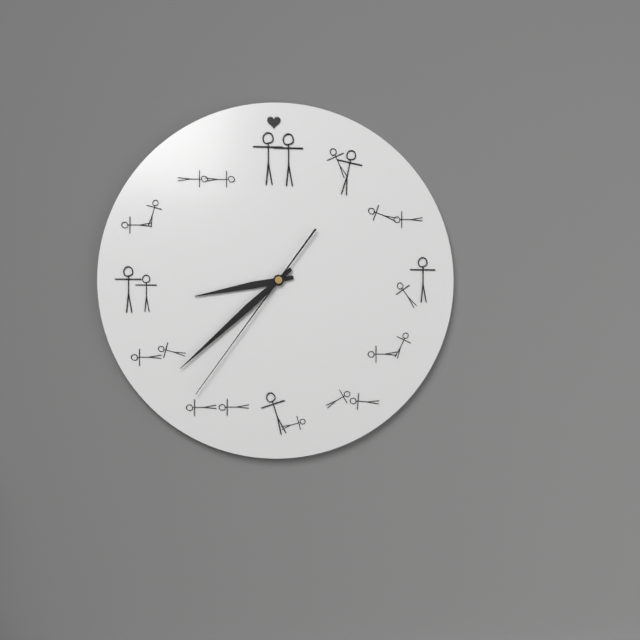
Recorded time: 8:38:36
